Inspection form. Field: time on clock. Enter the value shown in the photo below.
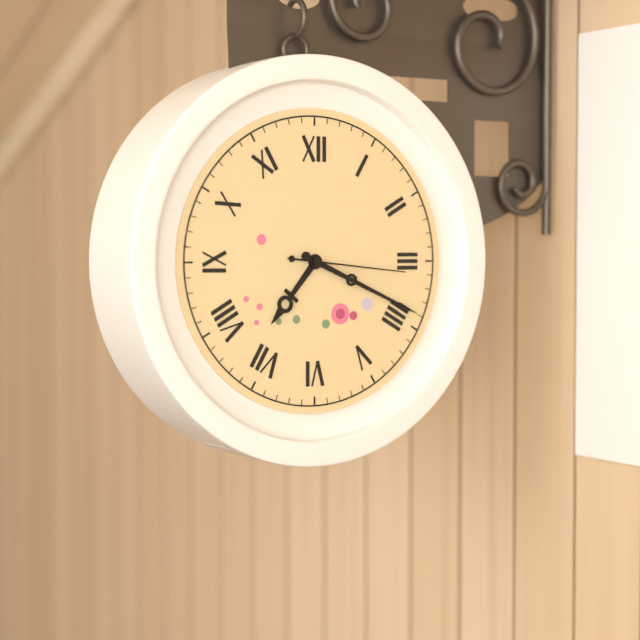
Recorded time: 7:19:16
